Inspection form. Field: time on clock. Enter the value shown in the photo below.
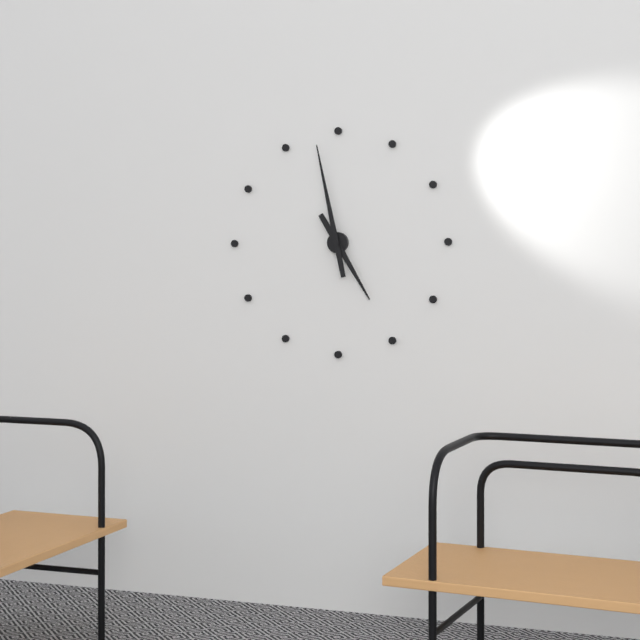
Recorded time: 4:58
